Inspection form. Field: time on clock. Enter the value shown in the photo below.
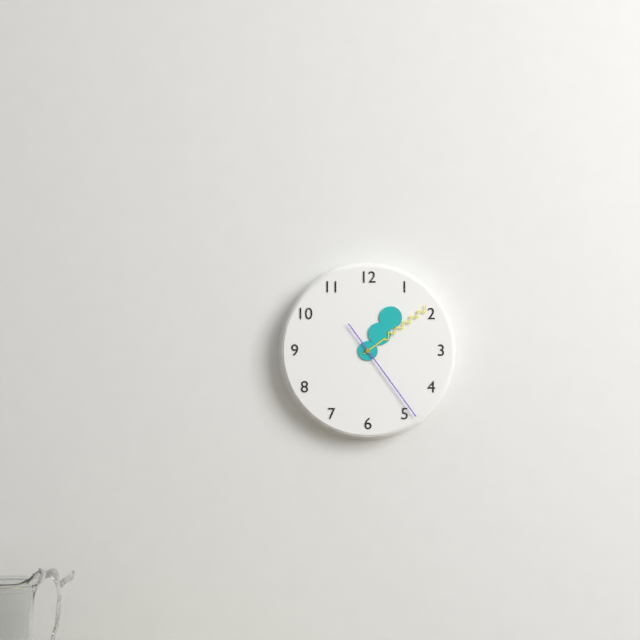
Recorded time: 1:09:24
